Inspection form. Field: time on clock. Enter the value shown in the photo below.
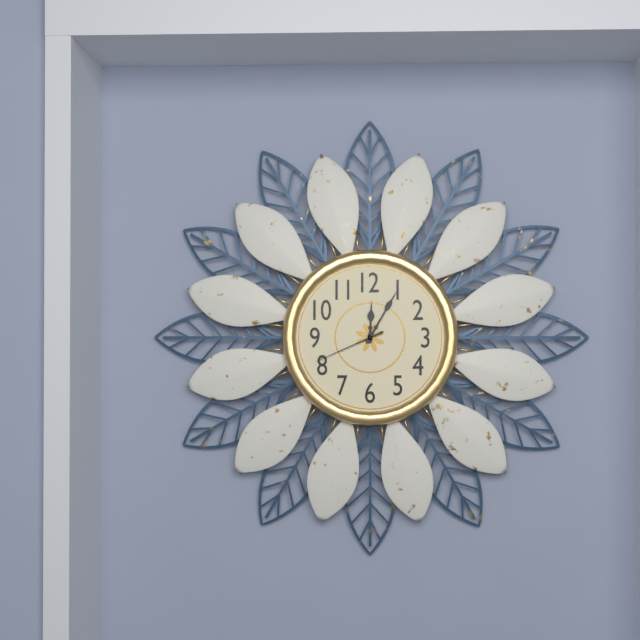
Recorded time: 12:05:41
